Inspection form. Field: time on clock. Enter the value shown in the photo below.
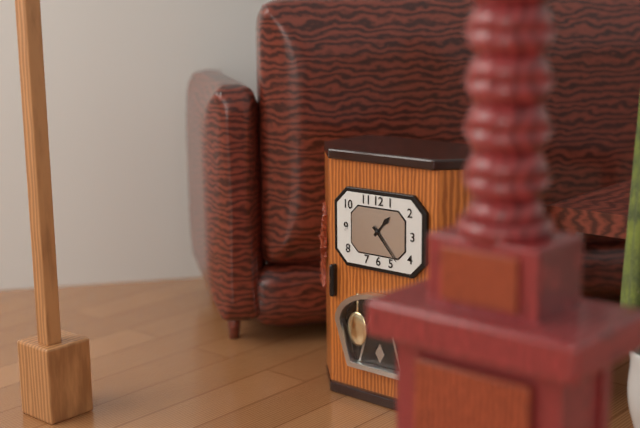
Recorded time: 1:23
